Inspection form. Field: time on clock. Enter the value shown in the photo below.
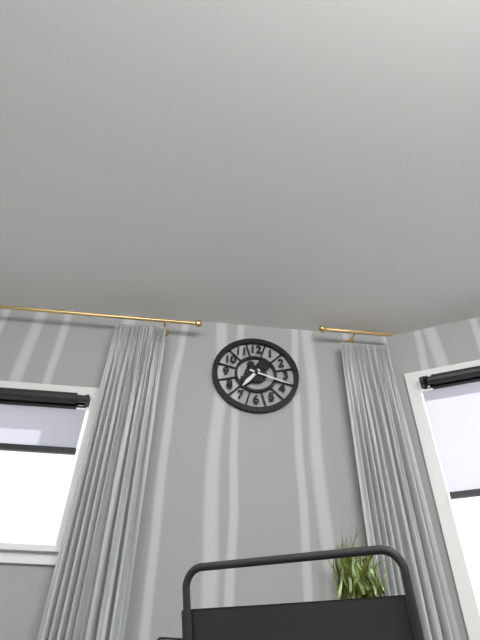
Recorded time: 7:18
